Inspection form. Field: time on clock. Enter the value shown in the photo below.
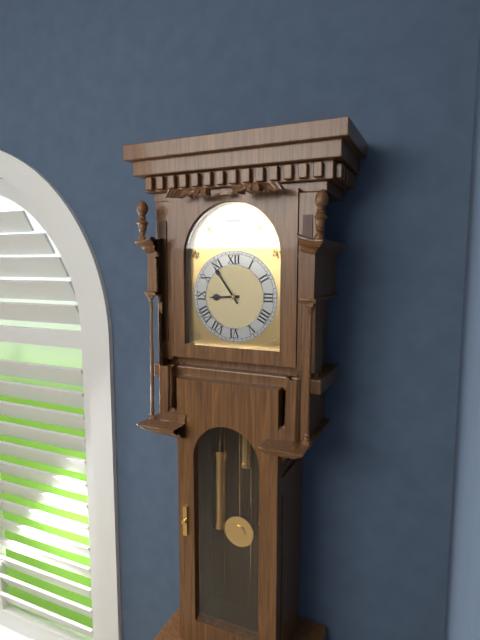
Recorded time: 8:54
